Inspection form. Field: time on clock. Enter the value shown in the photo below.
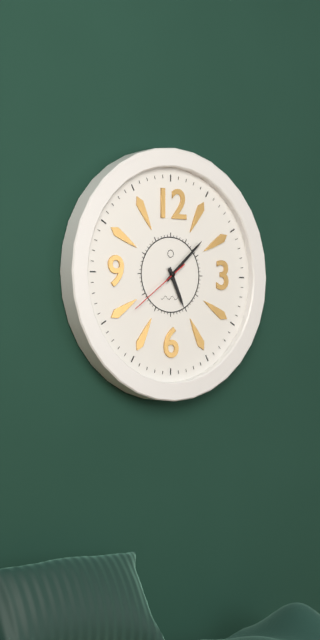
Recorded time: 5:08:39
